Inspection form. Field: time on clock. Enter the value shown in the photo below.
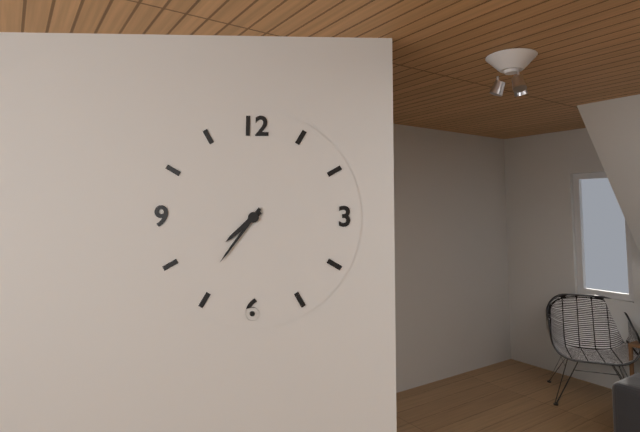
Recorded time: 7:36
